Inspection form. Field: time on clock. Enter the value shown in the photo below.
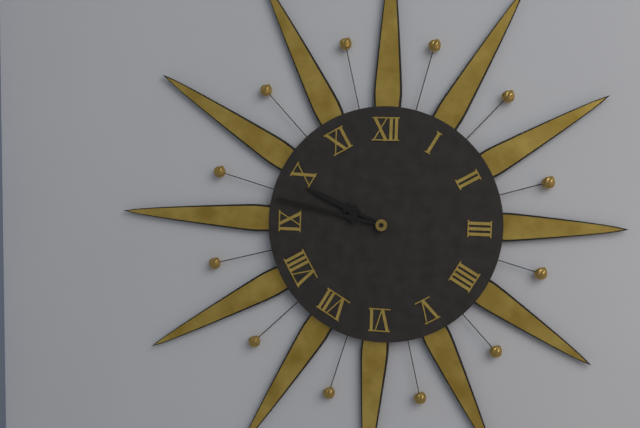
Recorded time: 9:47
